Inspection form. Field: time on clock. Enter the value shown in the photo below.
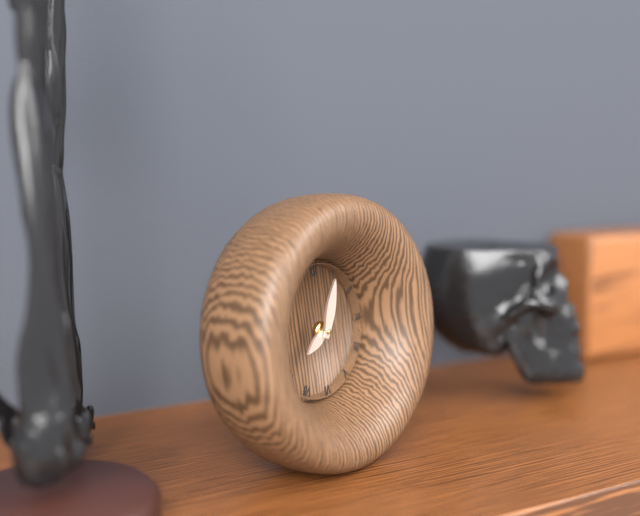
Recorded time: 8:04
